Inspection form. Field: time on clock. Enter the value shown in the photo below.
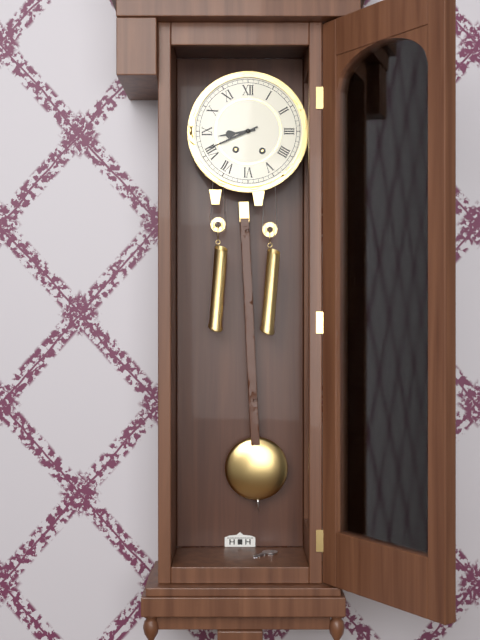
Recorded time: 8:41
